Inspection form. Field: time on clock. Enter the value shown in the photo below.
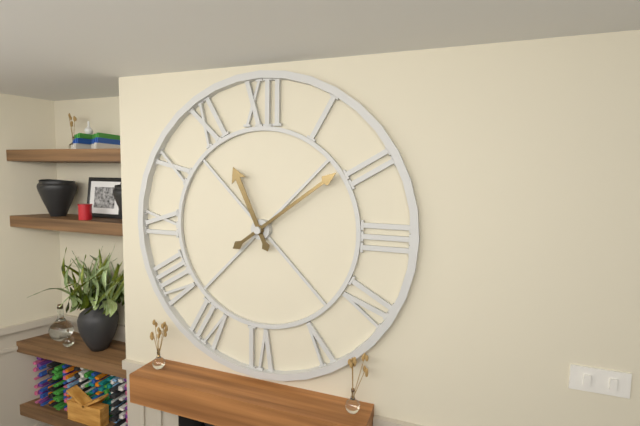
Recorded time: 11:09
